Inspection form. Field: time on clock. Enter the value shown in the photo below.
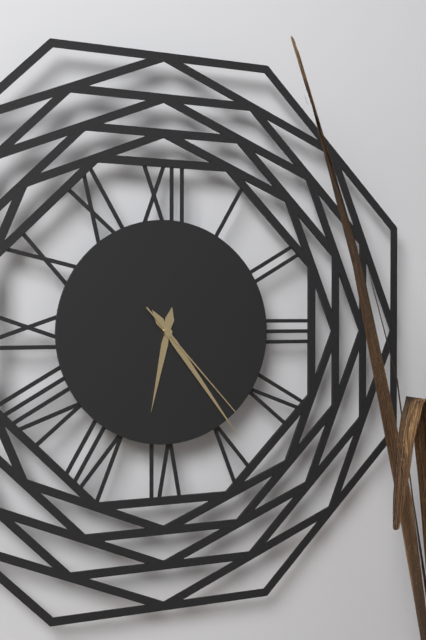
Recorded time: 6:24:23
